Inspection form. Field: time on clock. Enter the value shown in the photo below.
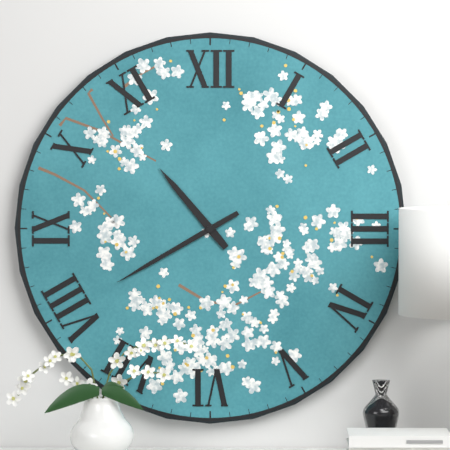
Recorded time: 10:40
